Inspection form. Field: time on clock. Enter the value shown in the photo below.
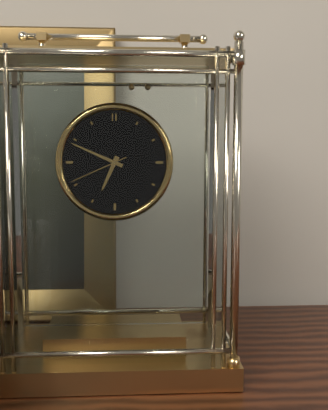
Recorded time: 6:49:41
